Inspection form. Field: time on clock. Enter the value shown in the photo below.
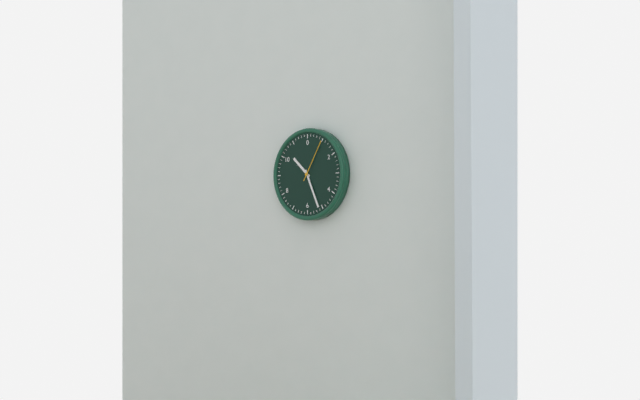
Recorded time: 10:26
